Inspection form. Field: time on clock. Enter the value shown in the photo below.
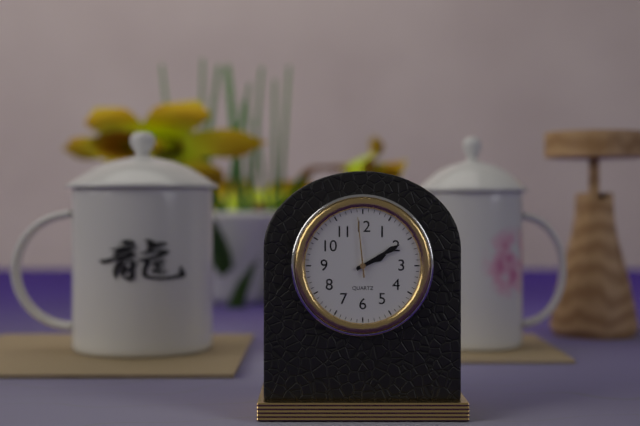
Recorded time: 2:10:59
